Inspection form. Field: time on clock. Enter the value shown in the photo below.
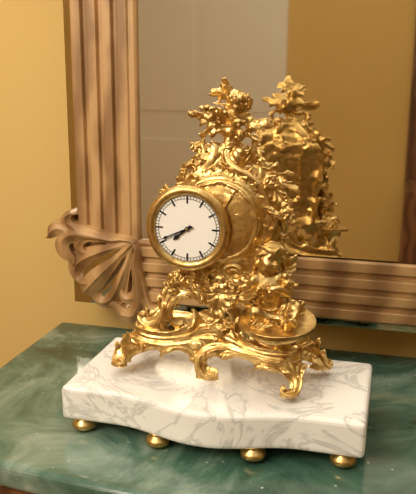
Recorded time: 7:41
